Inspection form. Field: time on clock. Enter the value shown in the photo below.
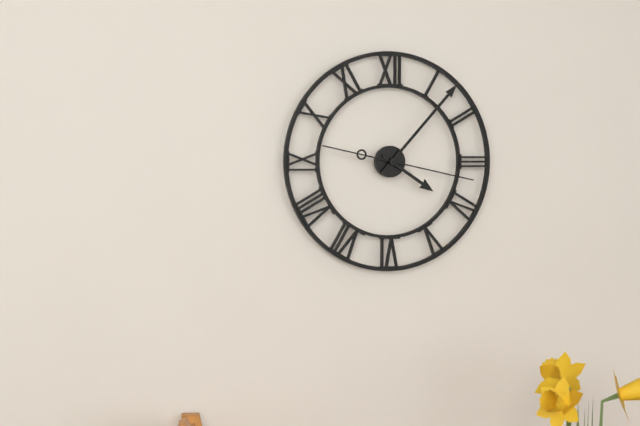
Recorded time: 4:07:17
